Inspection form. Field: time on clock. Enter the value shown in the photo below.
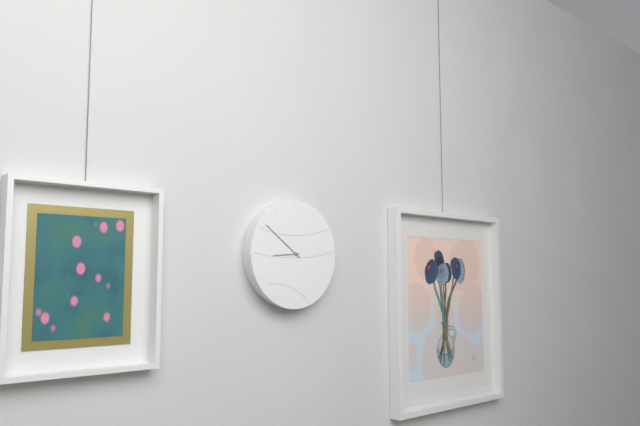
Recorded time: 8:51
